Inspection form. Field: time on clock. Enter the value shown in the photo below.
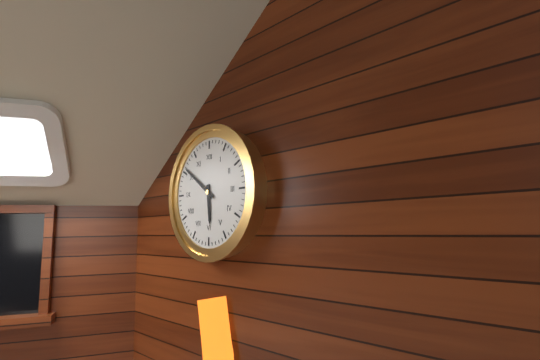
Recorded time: 5:51
